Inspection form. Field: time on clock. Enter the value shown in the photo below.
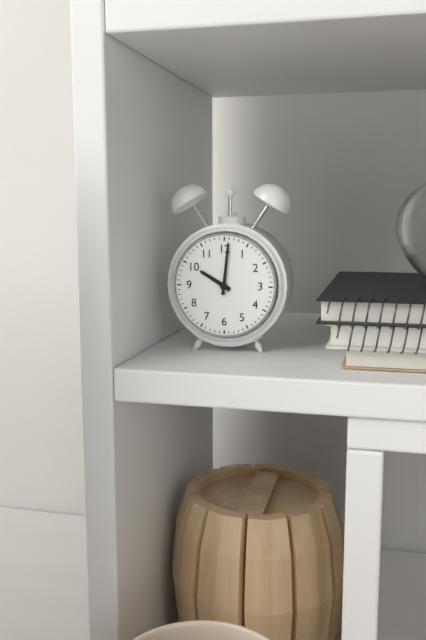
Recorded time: 10:01
